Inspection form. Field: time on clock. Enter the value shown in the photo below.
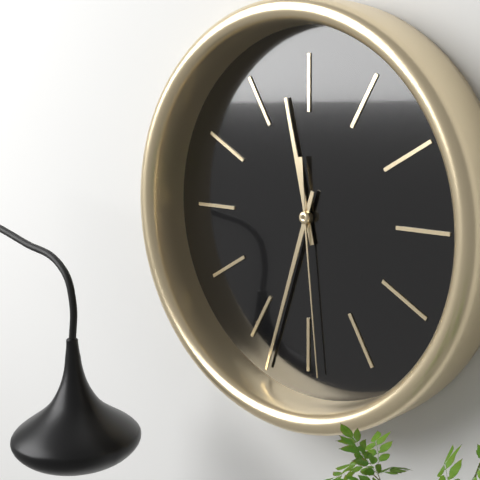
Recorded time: 11:33:29
